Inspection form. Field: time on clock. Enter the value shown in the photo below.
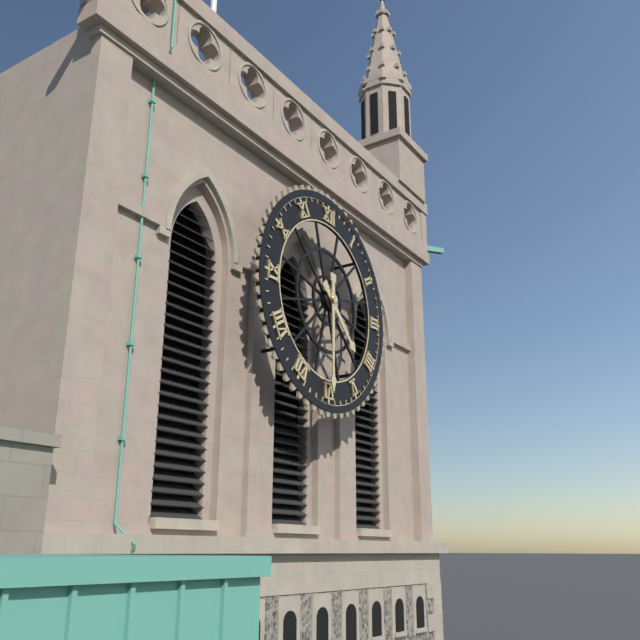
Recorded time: 4:30
